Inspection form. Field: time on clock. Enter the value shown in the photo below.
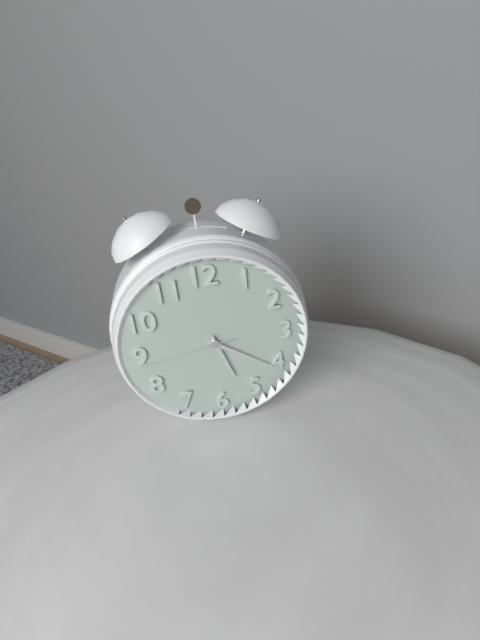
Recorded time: 5:21:44
